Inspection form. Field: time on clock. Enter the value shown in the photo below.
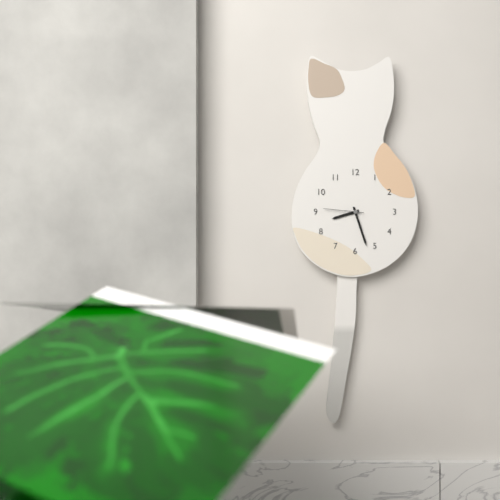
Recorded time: 8:27
